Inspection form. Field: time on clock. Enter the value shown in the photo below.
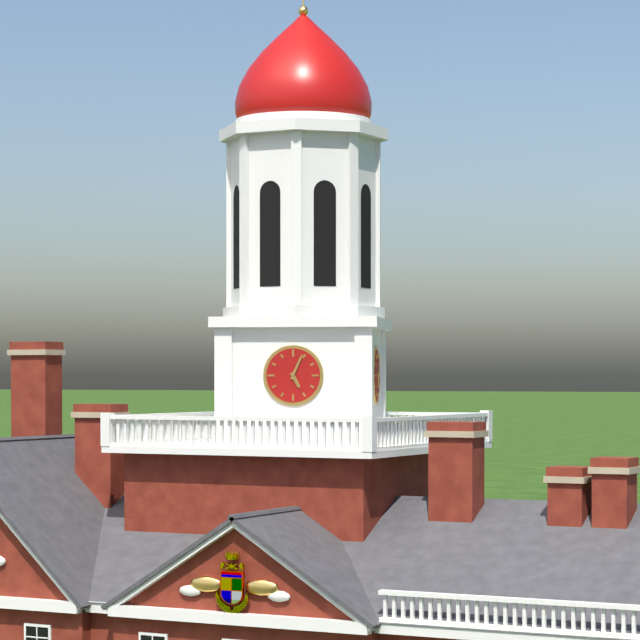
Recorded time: 5:04
